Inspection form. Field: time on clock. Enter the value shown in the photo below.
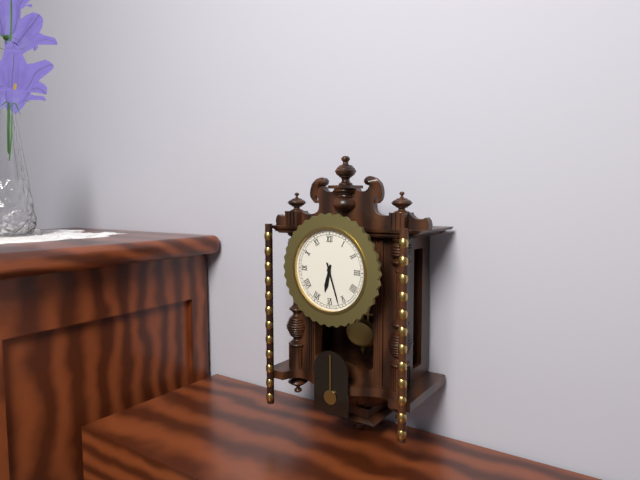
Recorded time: 6:27
